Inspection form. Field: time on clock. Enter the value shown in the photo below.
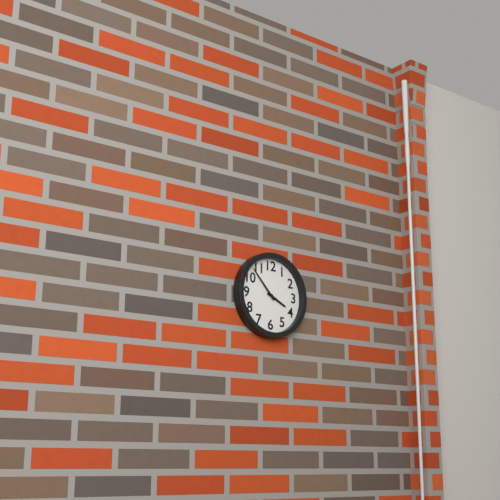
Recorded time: 3:53
